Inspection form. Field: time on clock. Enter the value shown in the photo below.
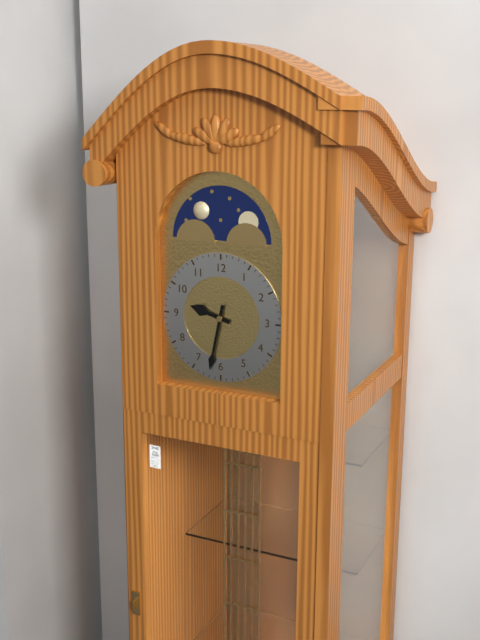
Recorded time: 9:32
